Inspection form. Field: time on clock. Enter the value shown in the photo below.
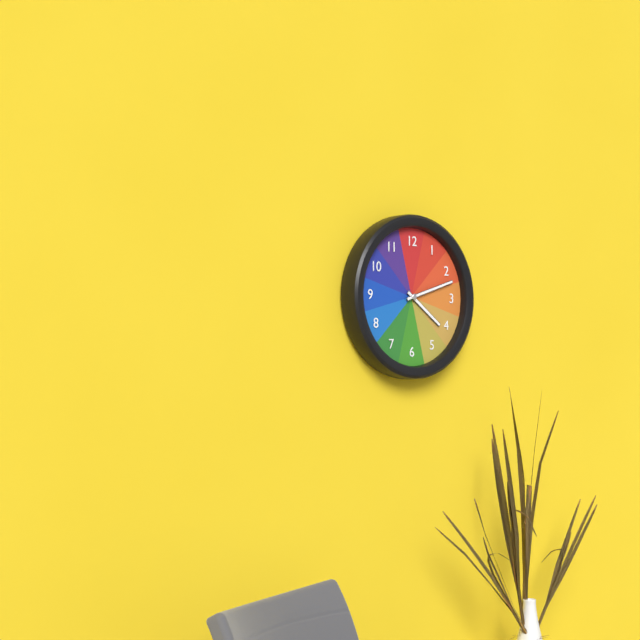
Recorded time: 4:12
